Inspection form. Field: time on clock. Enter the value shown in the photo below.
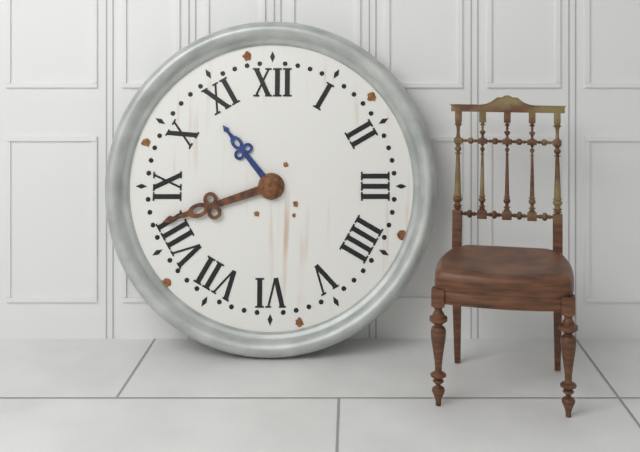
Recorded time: 10:42
